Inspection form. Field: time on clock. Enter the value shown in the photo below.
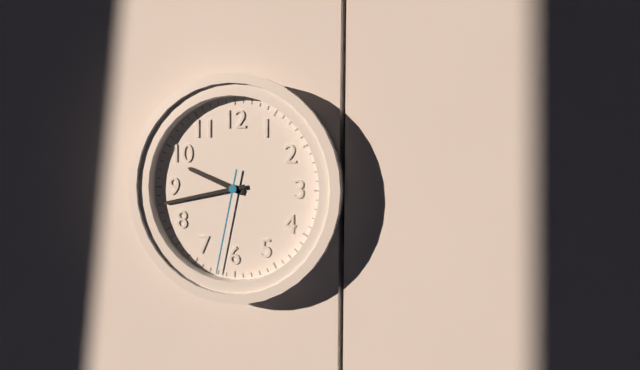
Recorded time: 9:43:32
